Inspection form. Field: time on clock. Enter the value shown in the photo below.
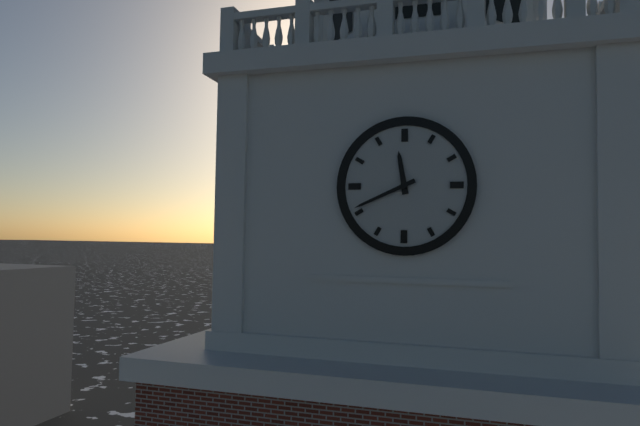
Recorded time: 11:41
